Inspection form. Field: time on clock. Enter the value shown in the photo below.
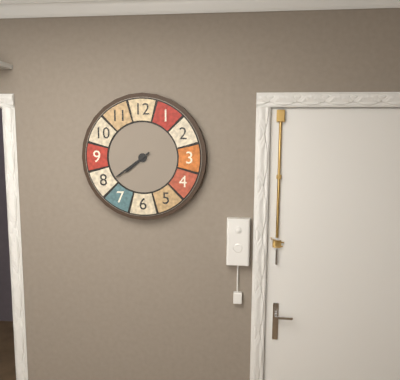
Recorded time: 7:39
